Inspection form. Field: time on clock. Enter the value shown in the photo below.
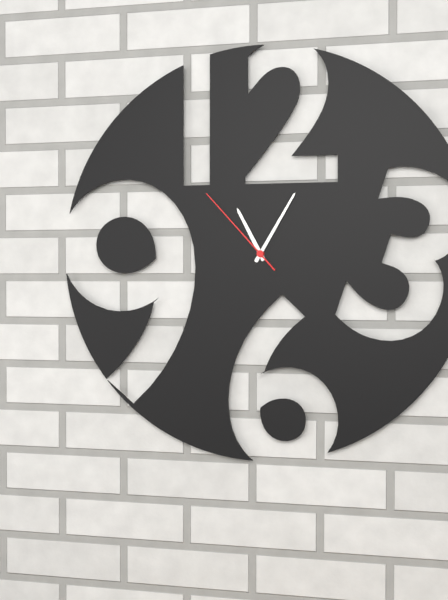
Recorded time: 11:05:53
